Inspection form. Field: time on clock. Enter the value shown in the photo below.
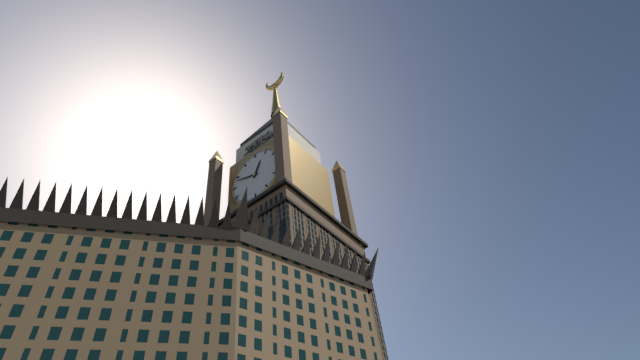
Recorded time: 12:48
